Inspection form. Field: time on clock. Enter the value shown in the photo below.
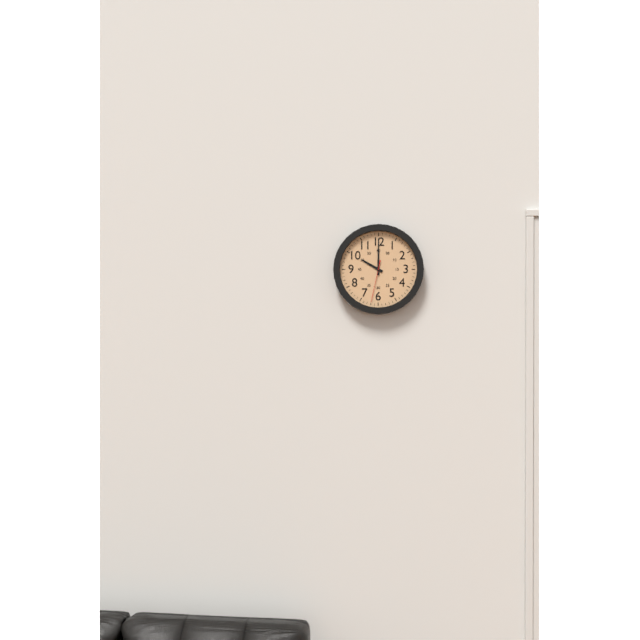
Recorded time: 10:00
